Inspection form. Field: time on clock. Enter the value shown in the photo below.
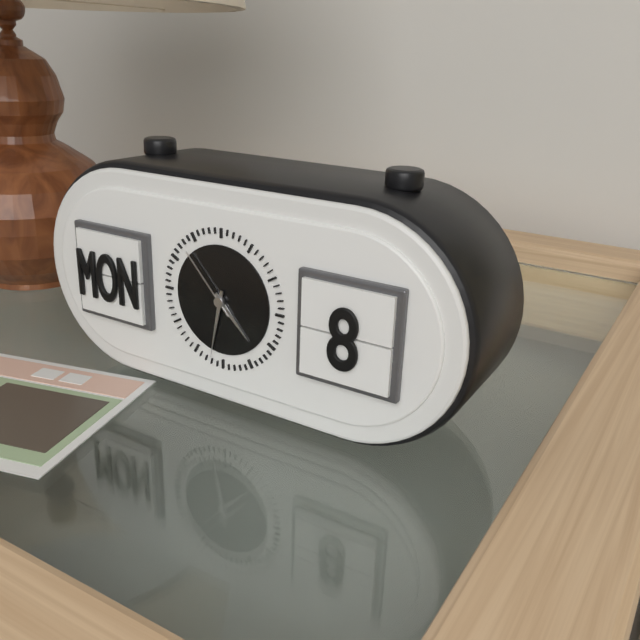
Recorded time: 4:32:53
